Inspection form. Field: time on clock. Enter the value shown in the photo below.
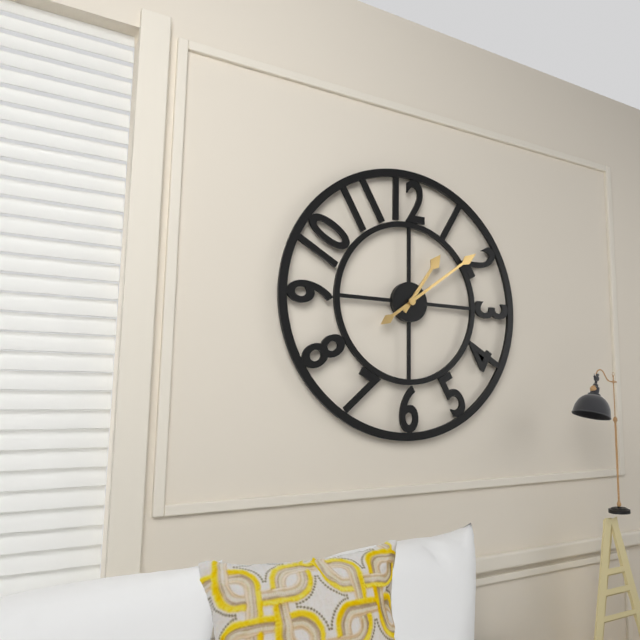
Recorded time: 1:09
